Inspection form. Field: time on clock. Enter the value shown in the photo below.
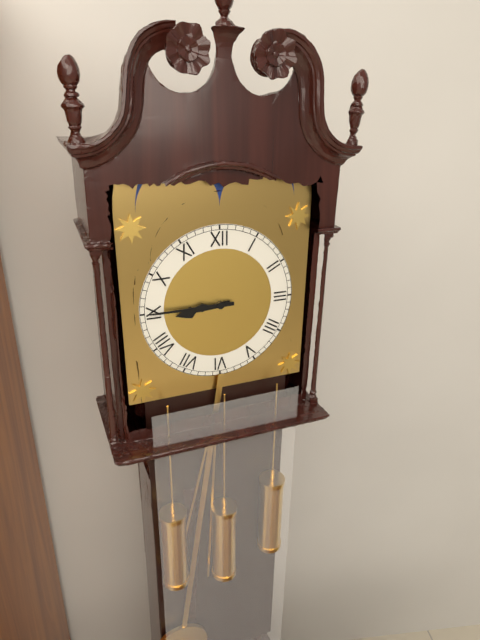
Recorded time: 8:45
